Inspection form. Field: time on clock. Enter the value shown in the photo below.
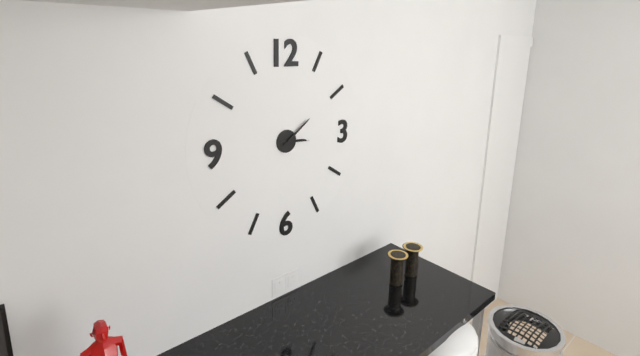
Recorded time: 3:09
